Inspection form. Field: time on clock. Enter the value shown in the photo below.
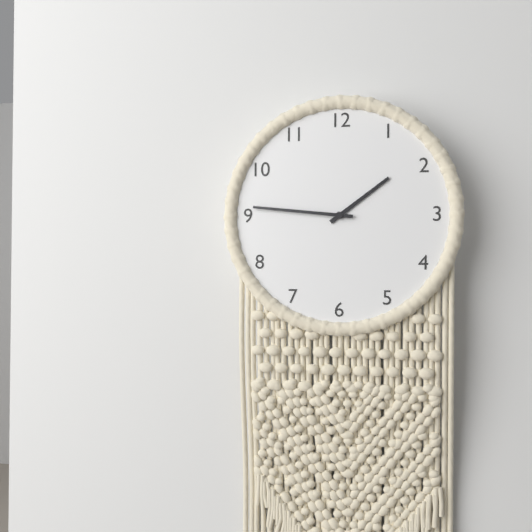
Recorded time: 1:46
